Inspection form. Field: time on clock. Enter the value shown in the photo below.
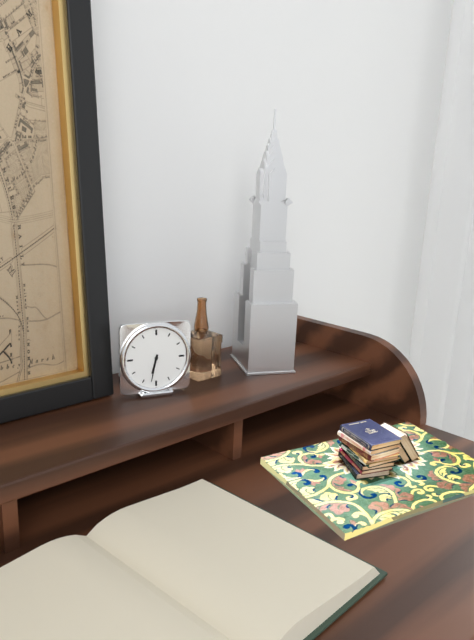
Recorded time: 6:32
